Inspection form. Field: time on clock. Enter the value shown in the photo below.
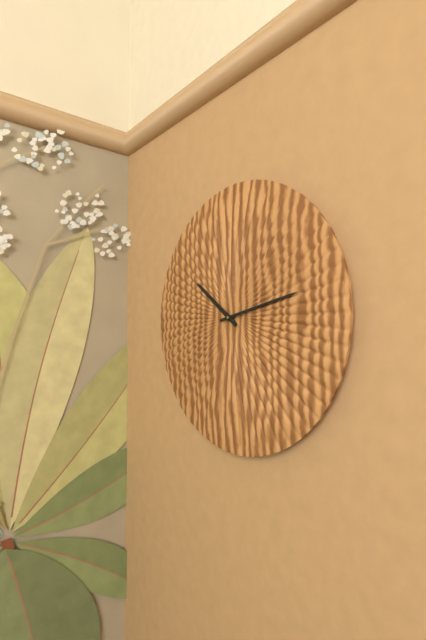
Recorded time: 10:13
